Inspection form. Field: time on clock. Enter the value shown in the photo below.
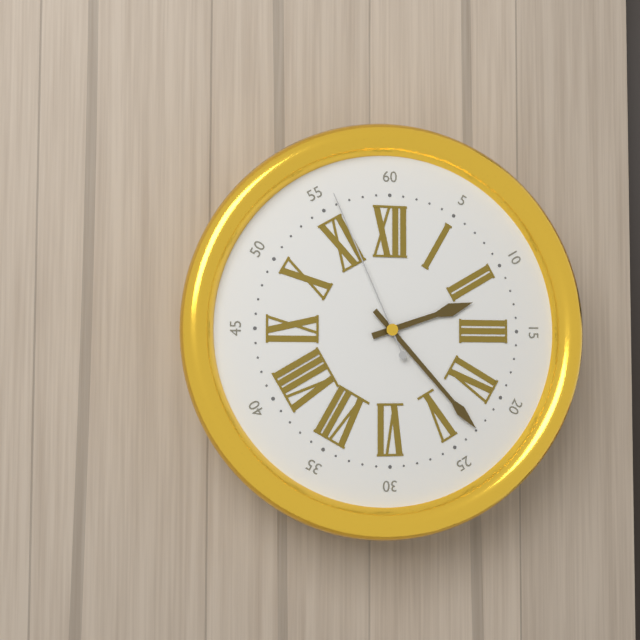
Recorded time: 2:23:56
